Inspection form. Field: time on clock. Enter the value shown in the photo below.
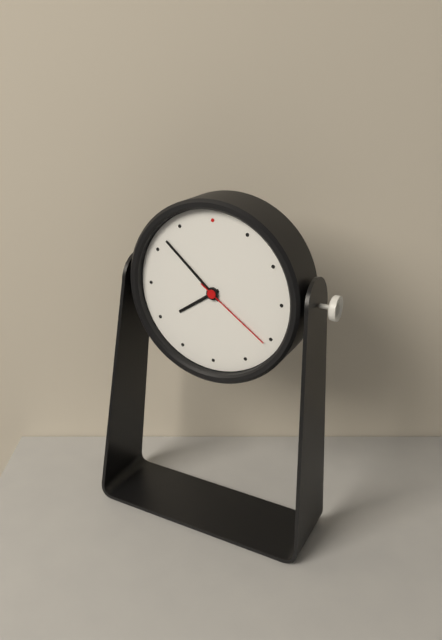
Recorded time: 7:52:21
